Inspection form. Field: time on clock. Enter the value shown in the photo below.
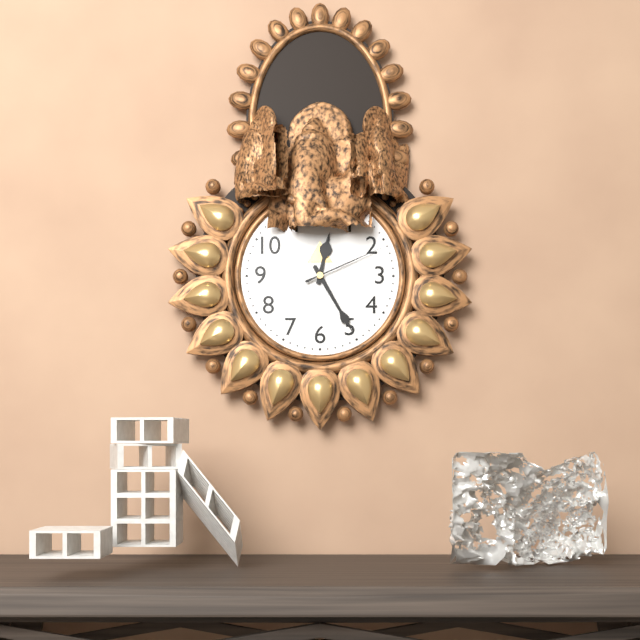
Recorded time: 12:25:11
